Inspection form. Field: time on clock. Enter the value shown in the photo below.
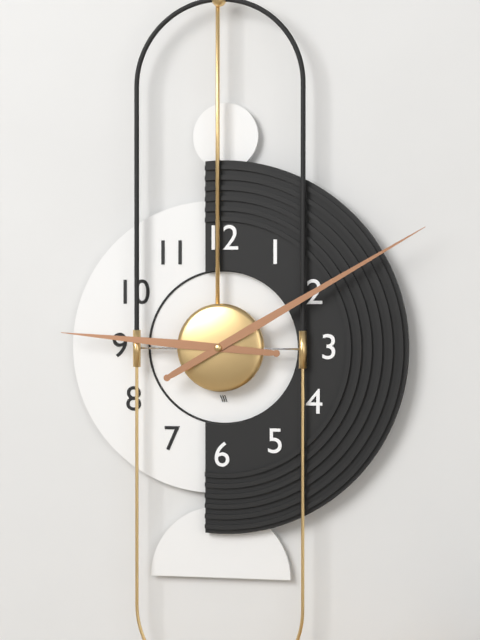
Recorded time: 9:10
